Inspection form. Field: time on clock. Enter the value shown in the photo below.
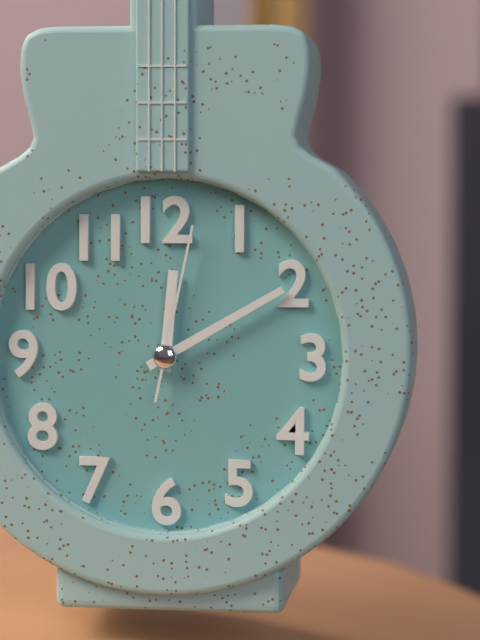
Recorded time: 12:10:02
